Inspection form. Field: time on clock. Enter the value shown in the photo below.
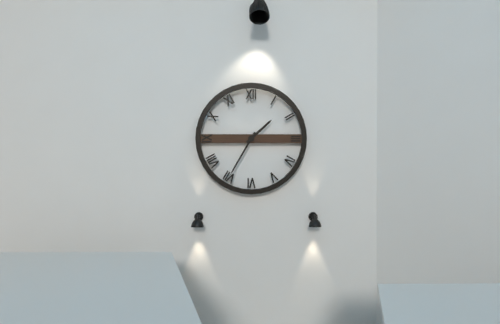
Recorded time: 1:35
